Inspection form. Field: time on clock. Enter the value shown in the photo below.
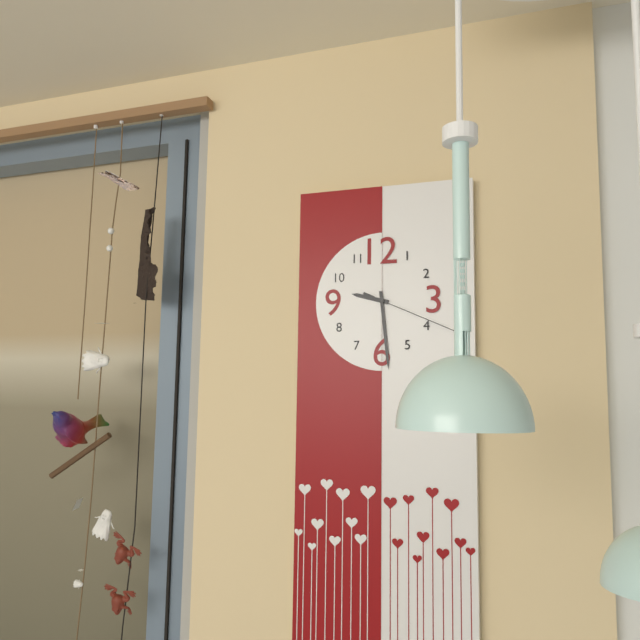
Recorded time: 9:29:19
